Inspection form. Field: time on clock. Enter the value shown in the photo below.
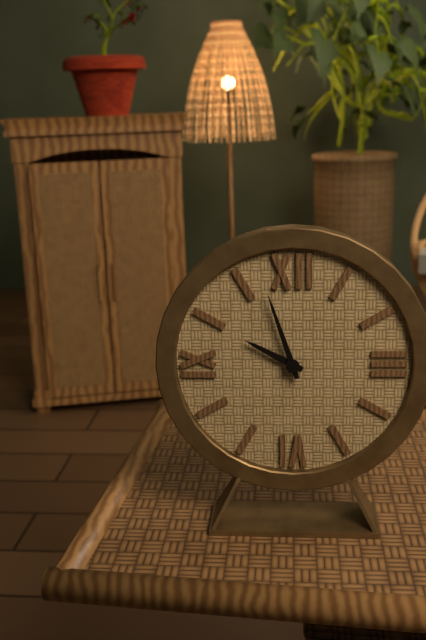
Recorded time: 9:57
